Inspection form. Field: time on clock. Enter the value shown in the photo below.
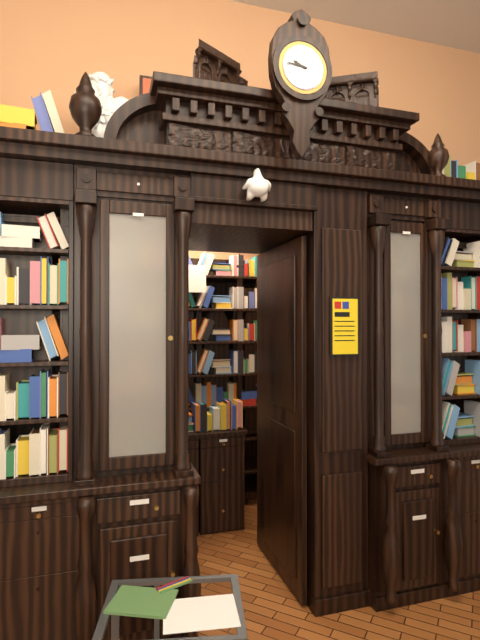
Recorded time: 9:46
